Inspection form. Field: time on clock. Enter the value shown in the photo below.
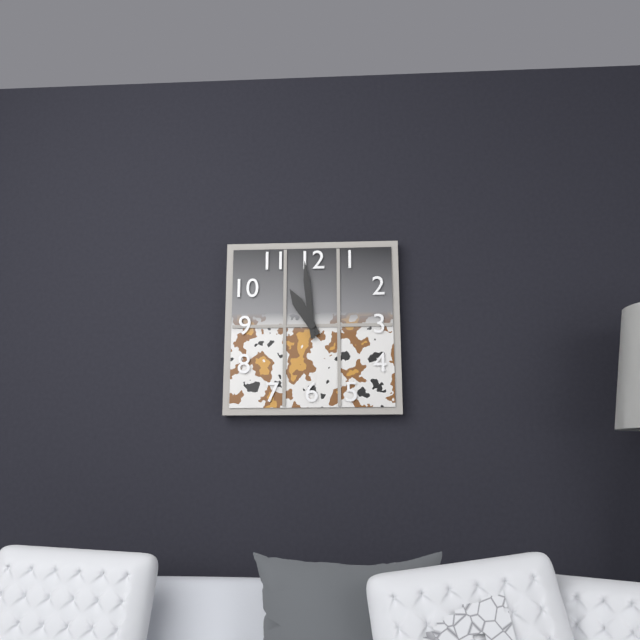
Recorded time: 10:59
